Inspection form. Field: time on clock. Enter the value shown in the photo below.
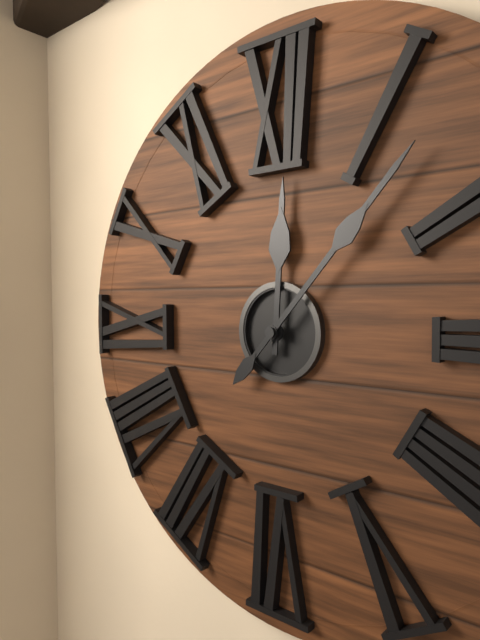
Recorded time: 12:07
